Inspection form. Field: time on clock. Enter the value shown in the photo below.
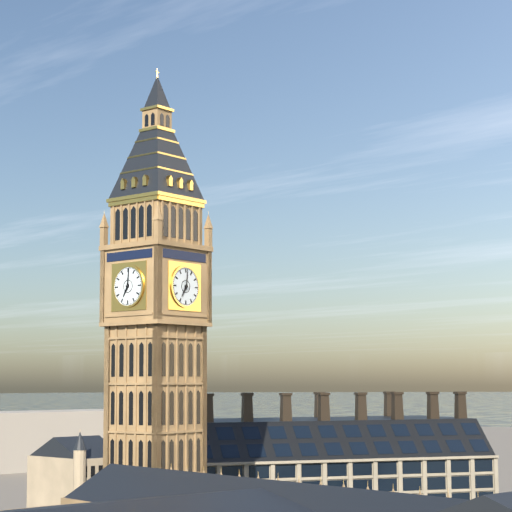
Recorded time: 7:01
